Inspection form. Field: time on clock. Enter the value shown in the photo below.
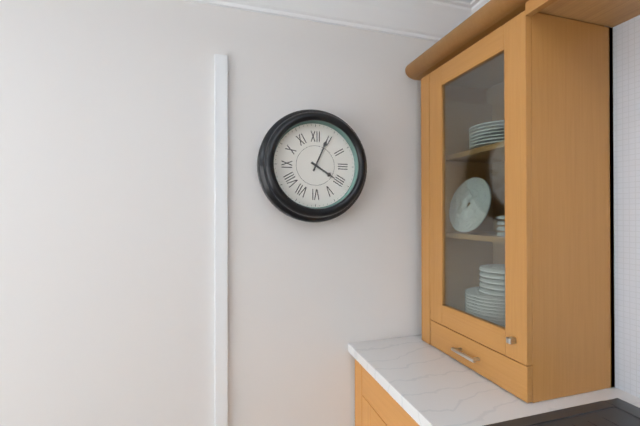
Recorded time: 4:04
